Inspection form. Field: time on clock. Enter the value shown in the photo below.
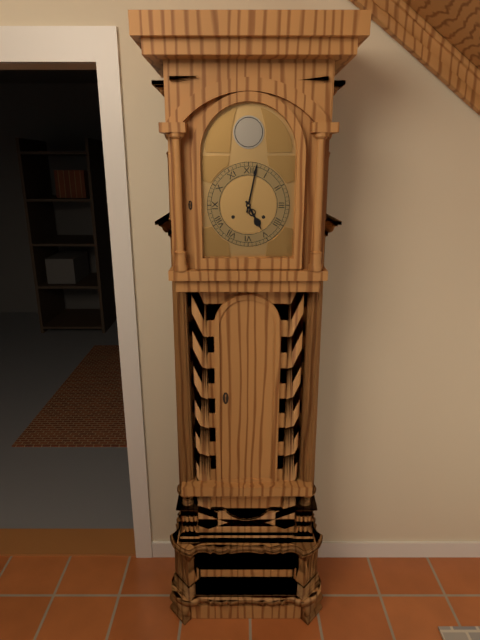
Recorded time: 5:02
